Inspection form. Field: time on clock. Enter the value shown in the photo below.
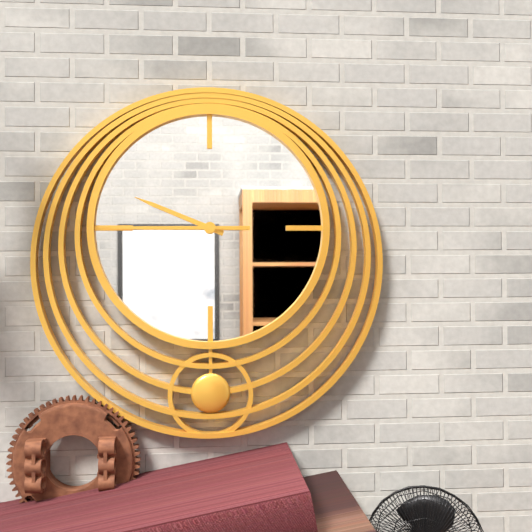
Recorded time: 9:45
